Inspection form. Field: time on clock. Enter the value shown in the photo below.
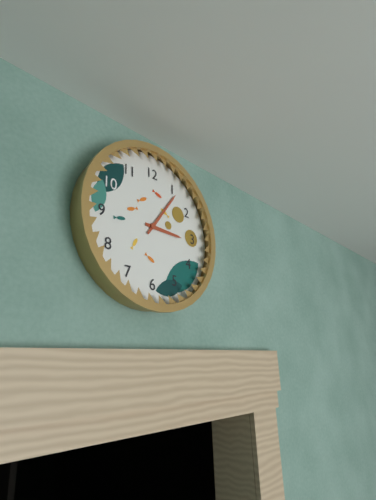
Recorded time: 3:06
